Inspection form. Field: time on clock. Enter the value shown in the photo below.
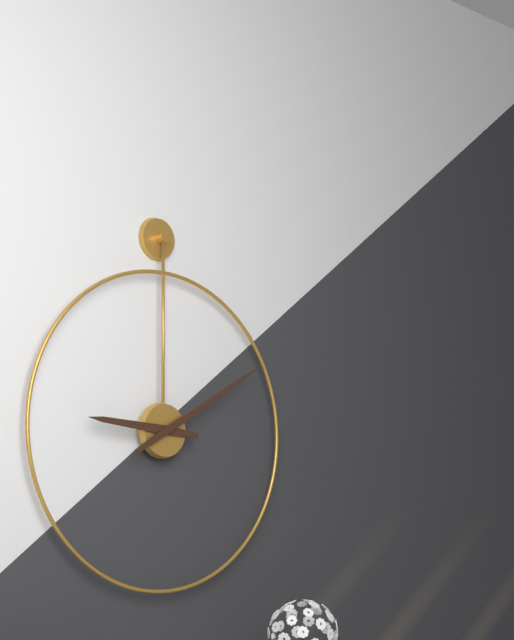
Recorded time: 9:10
